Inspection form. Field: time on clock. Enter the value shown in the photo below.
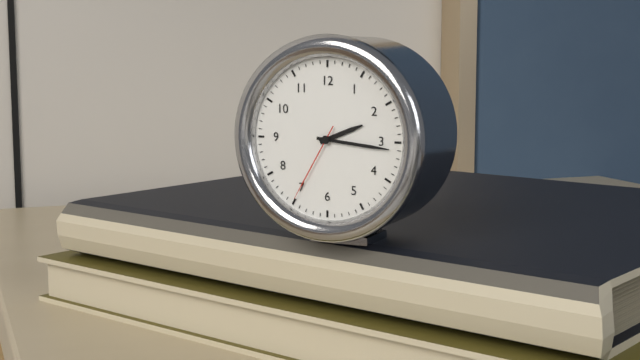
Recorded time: 2:16:35
